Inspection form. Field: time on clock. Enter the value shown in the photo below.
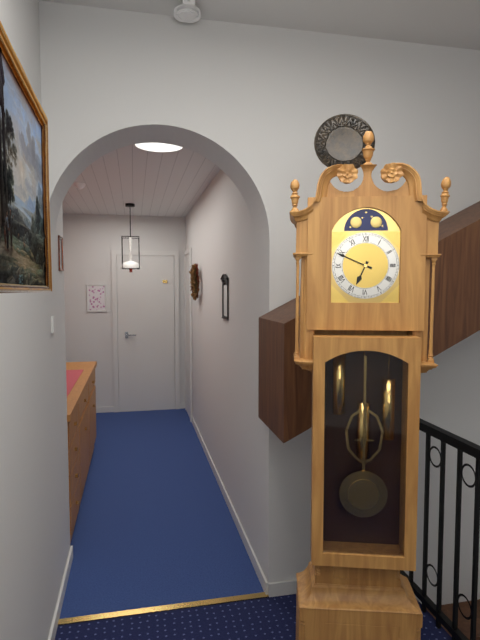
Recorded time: 6:49
